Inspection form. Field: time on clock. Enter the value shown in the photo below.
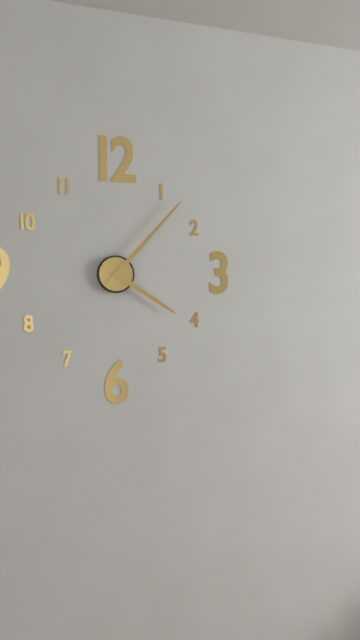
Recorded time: 4:07
